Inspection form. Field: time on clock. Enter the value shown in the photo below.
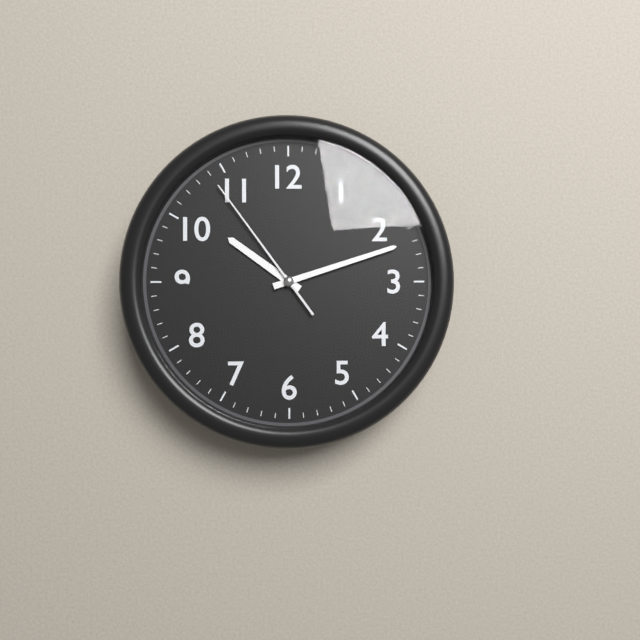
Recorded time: 10:12:54
